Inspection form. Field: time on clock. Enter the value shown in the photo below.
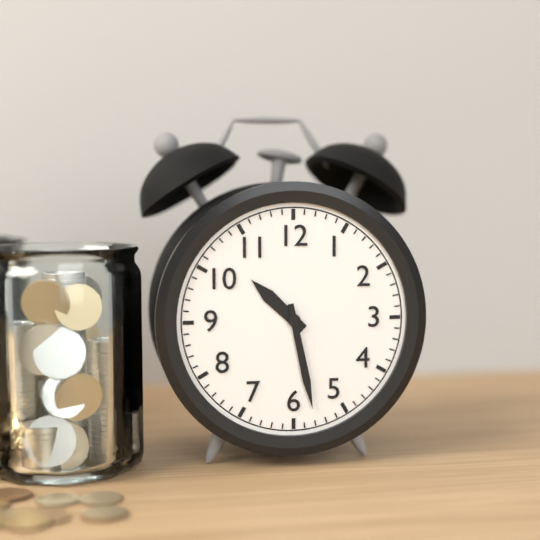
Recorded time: 10:28
